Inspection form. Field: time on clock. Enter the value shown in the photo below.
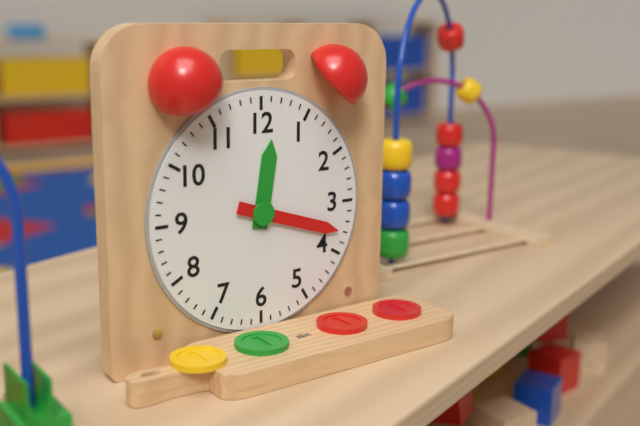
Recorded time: 12:18
